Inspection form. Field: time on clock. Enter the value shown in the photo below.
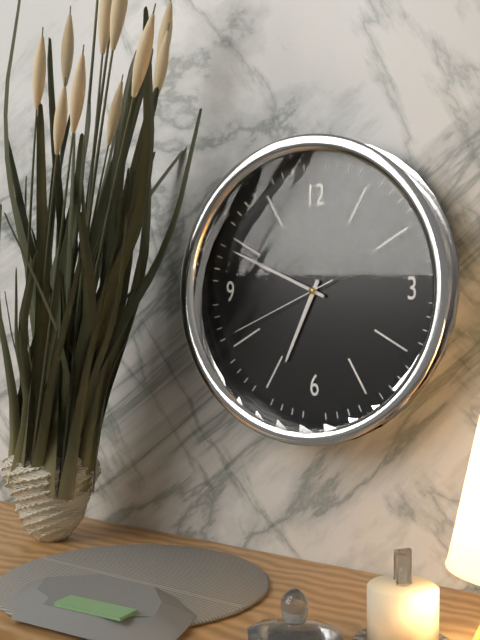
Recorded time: 6:49:41
